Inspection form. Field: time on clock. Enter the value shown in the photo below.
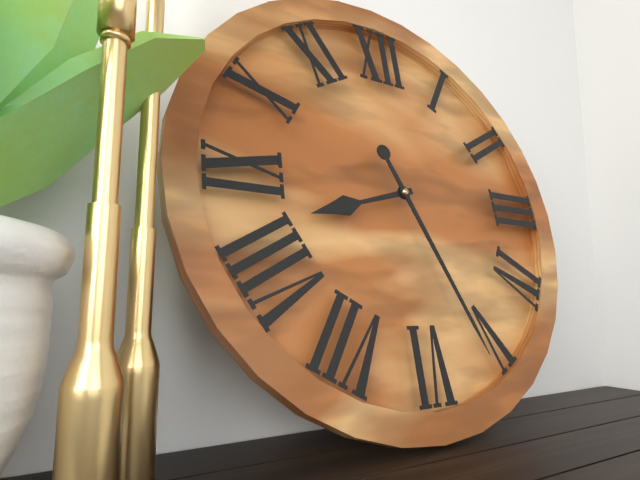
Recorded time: 8:26
